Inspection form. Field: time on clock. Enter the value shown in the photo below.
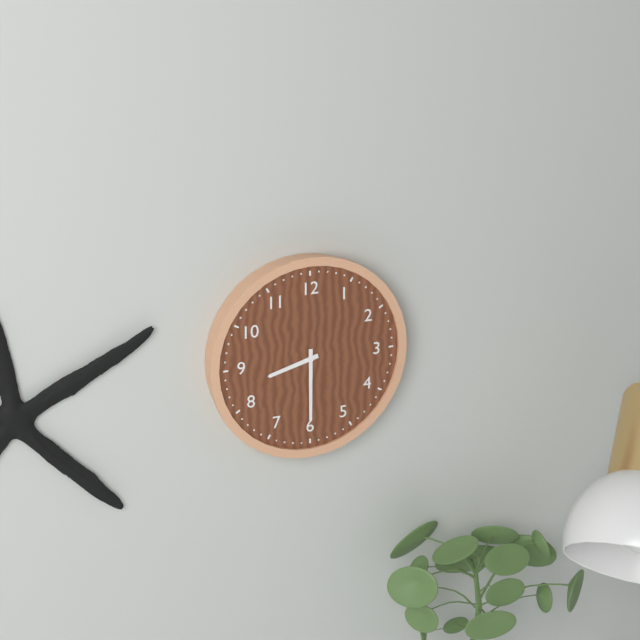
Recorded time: 8:30
